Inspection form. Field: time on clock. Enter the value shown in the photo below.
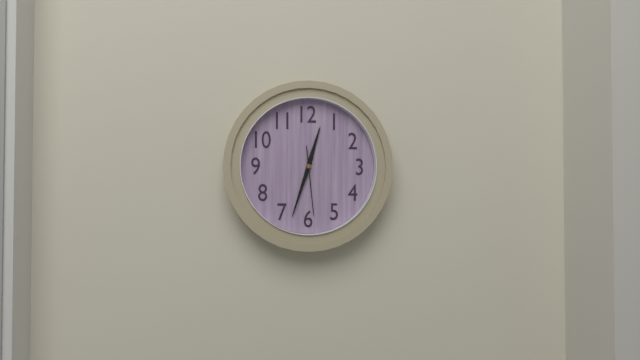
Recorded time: 12:33:29
